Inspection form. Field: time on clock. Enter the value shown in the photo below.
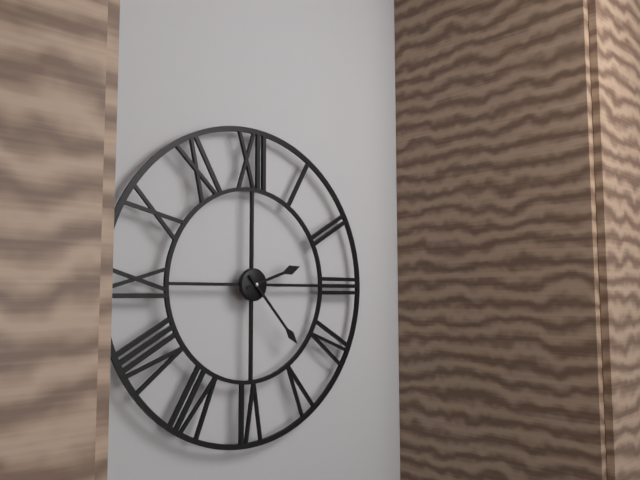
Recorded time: 2:23
